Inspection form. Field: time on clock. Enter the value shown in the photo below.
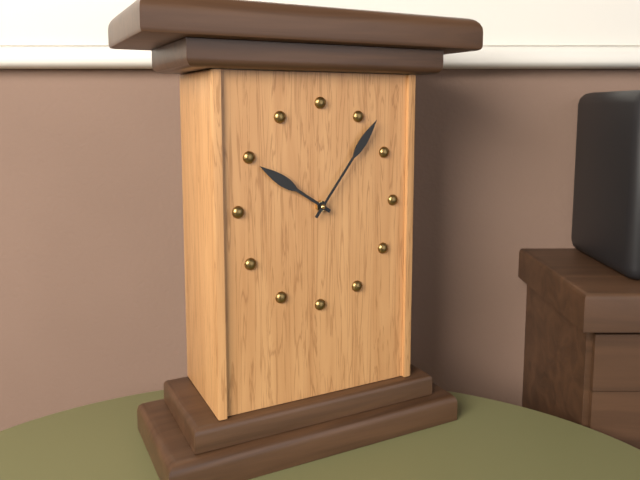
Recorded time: 10:06
